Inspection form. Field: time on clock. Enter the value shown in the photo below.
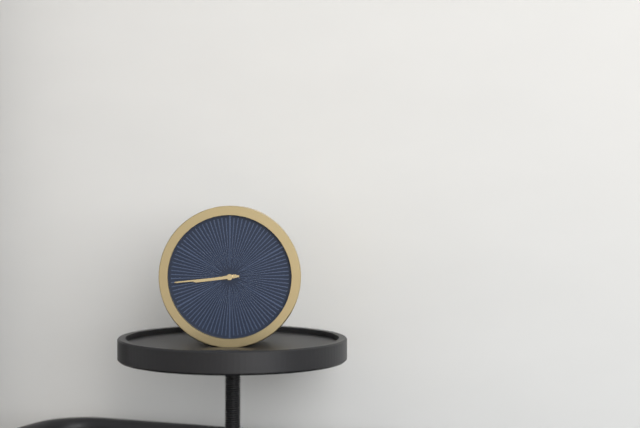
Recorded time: 8:44
